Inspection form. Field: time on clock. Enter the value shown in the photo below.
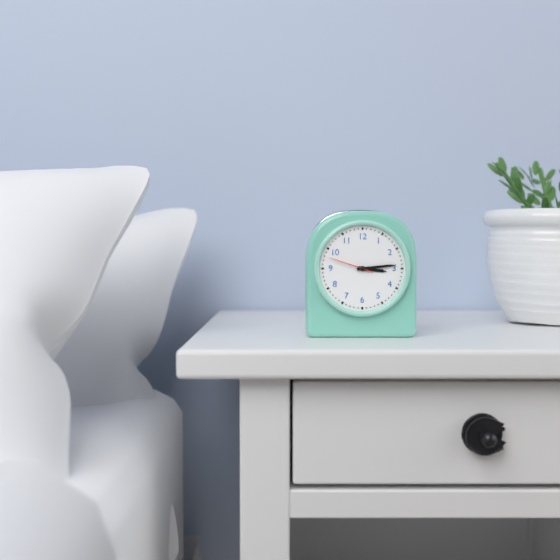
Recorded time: 3:14
